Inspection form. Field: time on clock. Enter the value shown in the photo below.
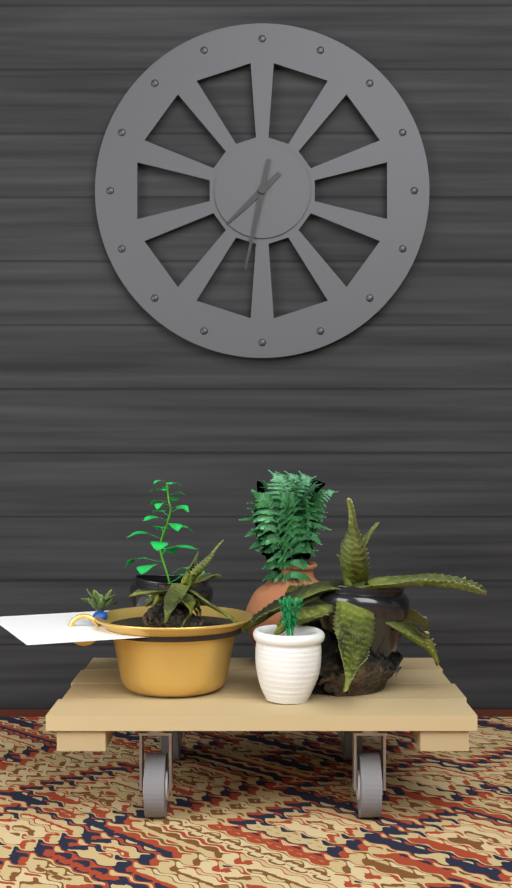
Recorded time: 7:32
